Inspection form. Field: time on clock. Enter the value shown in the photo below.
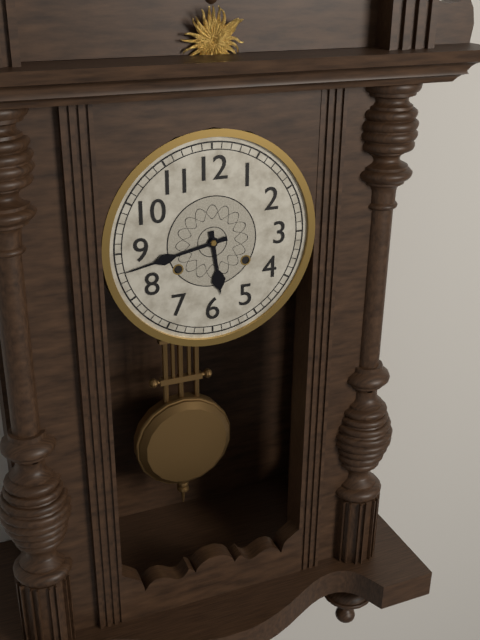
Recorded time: 5:43
